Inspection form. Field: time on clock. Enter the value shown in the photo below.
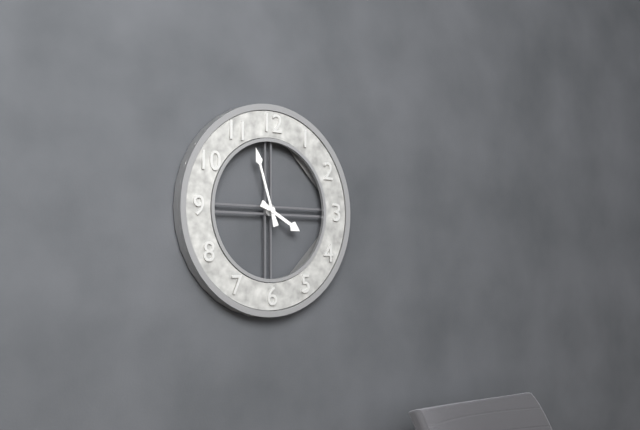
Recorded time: 3:57
